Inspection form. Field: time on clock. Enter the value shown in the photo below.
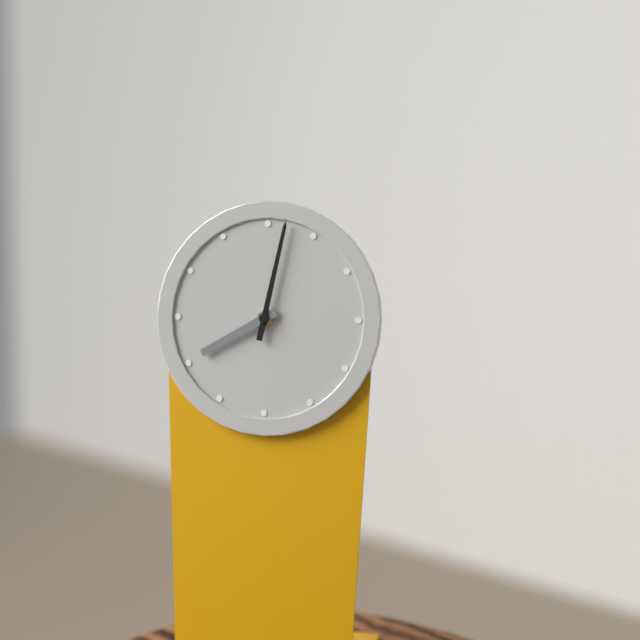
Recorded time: 8:02
